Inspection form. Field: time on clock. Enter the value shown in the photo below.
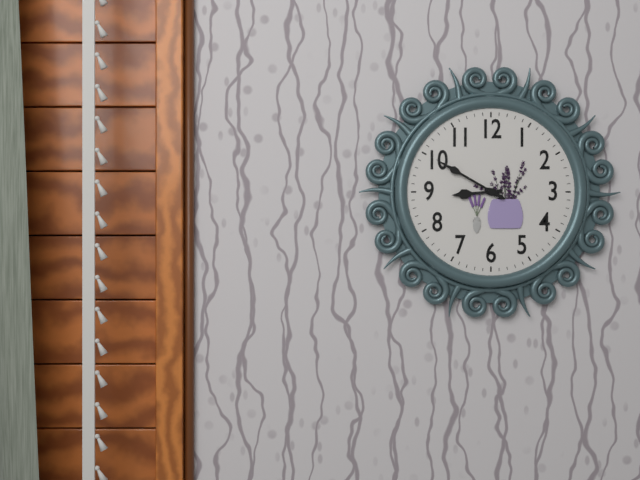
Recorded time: 8:50
